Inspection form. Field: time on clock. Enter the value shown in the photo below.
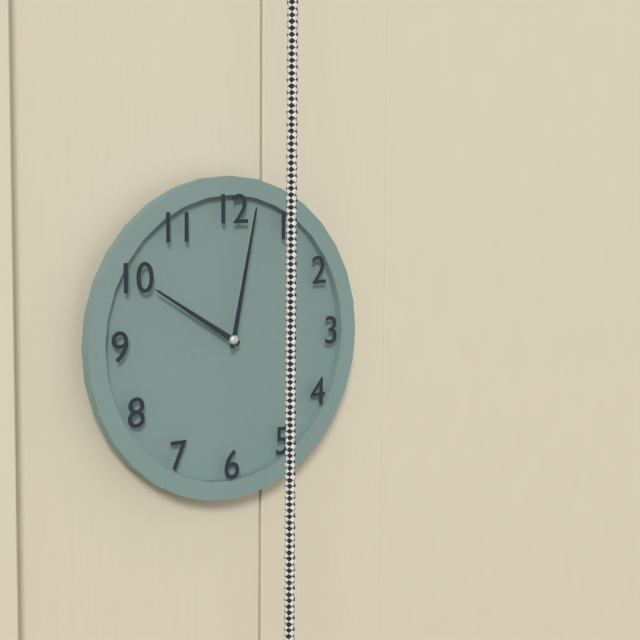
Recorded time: 10:02
